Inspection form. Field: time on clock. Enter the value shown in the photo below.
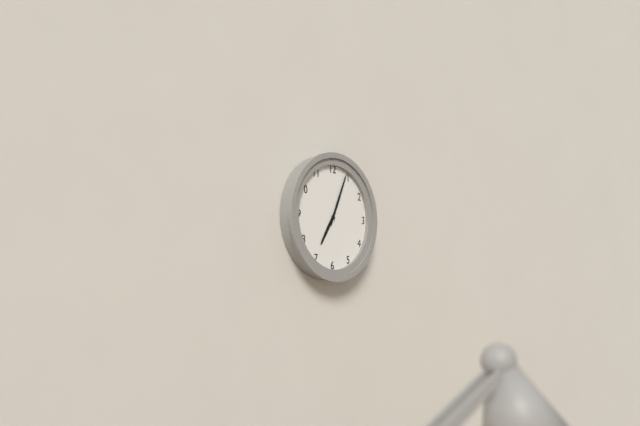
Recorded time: 7:04
